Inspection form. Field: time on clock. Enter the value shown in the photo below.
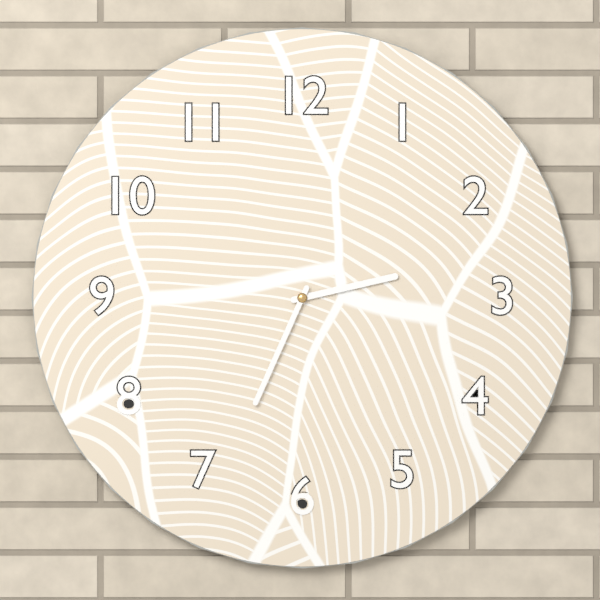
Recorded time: 2:34
